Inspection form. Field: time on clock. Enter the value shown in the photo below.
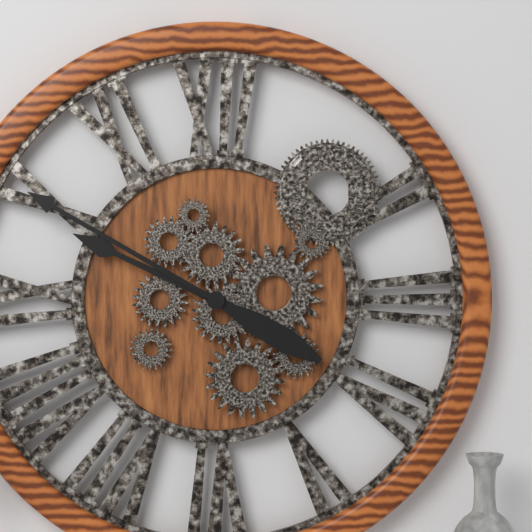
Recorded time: 9:50
